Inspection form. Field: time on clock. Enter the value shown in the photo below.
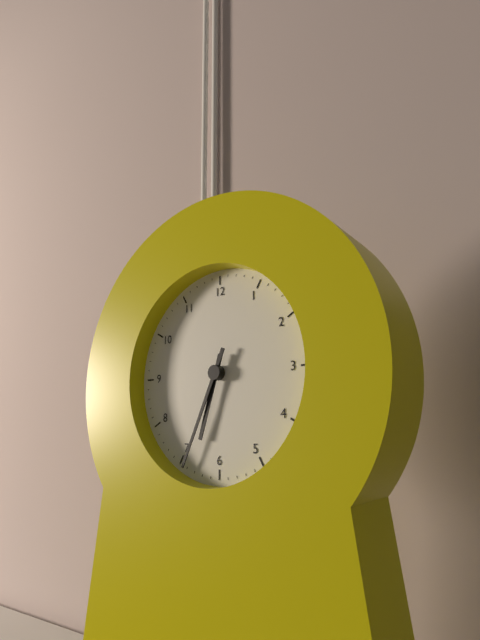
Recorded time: 6:34
